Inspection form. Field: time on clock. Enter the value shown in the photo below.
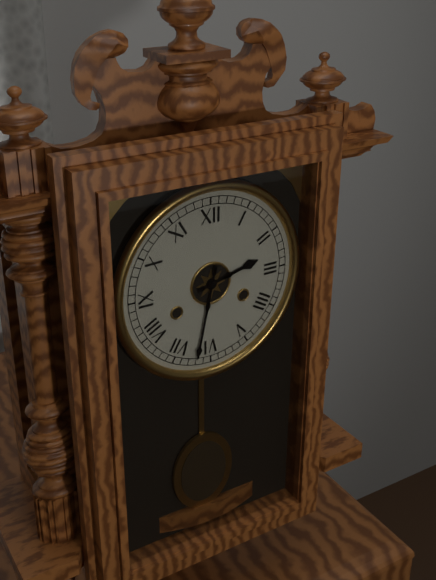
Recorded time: 2:32
